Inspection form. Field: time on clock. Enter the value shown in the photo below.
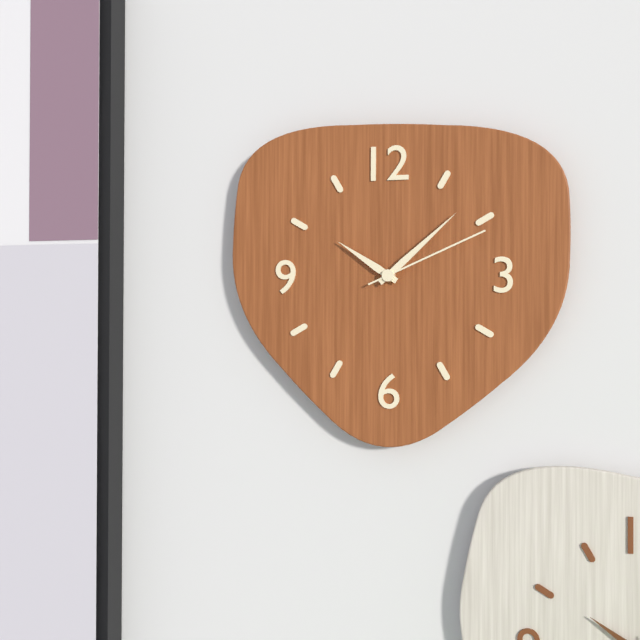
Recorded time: 10:08:11
